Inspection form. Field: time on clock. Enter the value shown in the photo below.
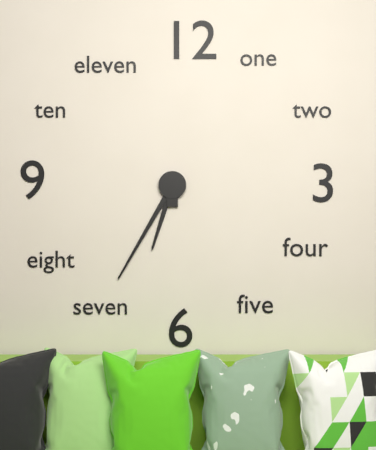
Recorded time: 6:35
